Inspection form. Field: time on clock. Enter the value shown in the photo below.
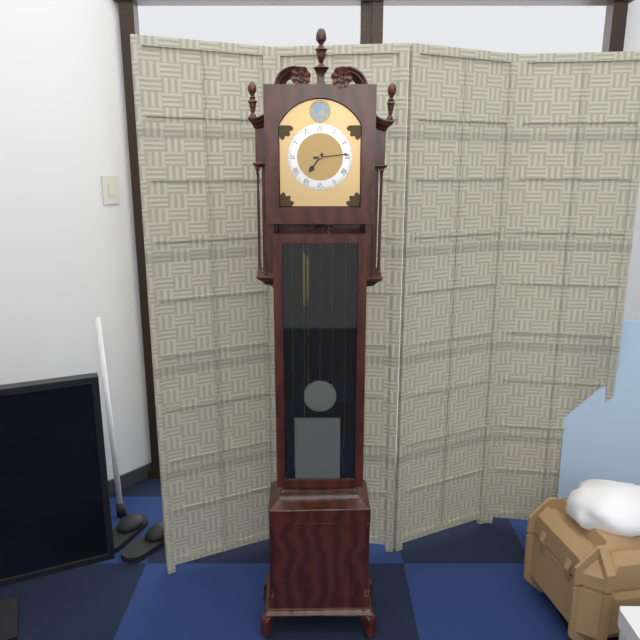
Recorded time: 7:14
